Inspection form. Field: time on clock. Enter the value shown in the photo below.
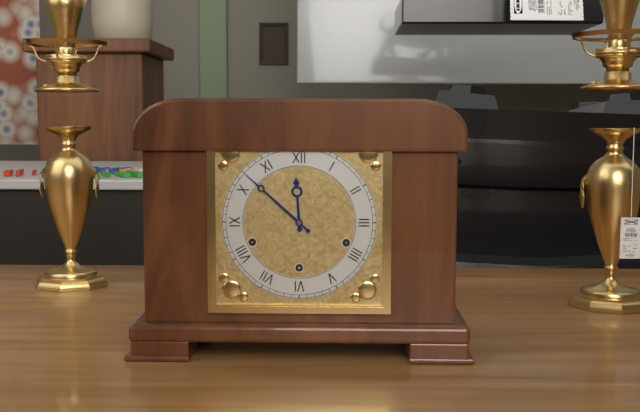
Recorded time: 11:52
